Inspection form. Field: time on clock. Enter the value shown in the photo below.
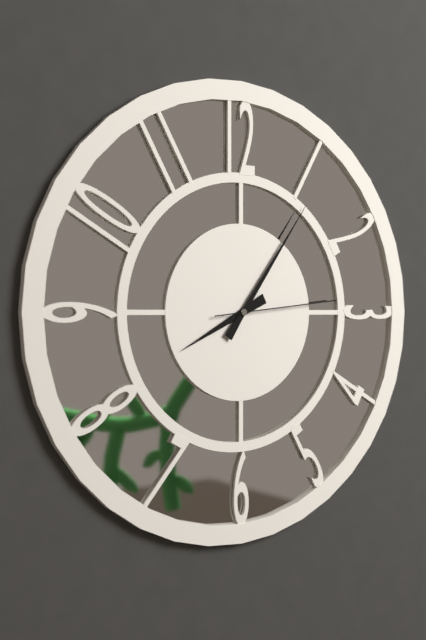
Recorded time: 8:06:14
